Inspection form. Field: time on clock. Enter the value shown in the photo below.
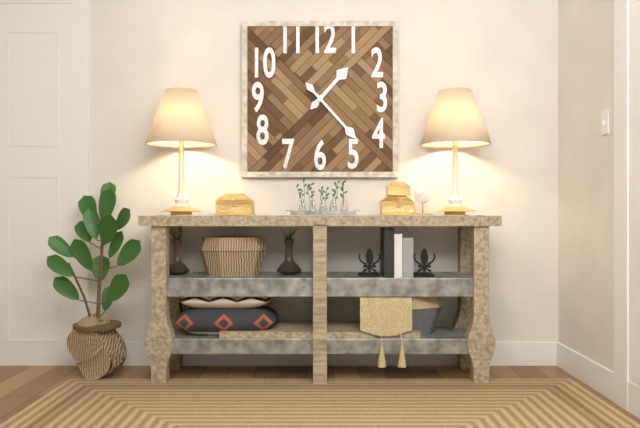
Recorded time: 1:23
